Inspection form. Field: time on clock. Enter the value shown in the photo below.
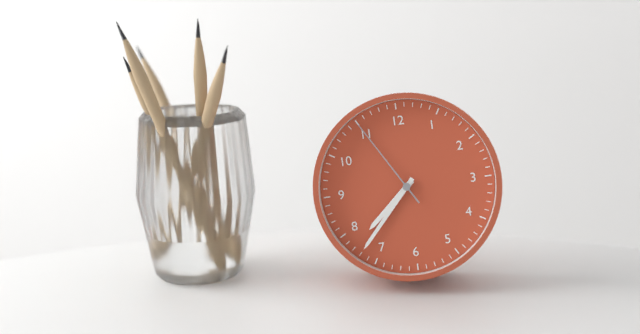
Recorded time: 7:37:55
